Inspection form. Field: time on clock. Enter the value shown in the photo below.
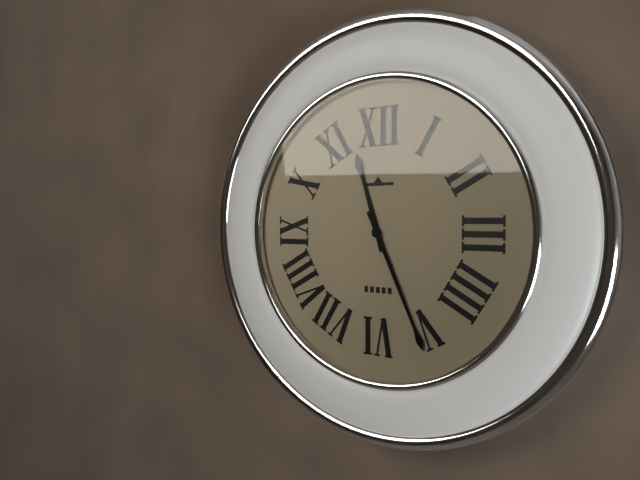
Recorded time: 11:26
